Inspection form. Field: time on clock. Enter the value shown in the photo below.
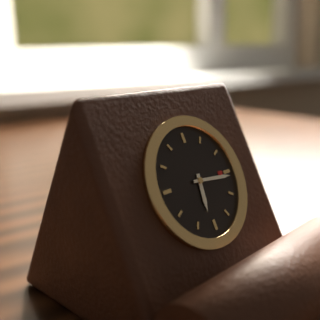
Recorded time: 6:16
